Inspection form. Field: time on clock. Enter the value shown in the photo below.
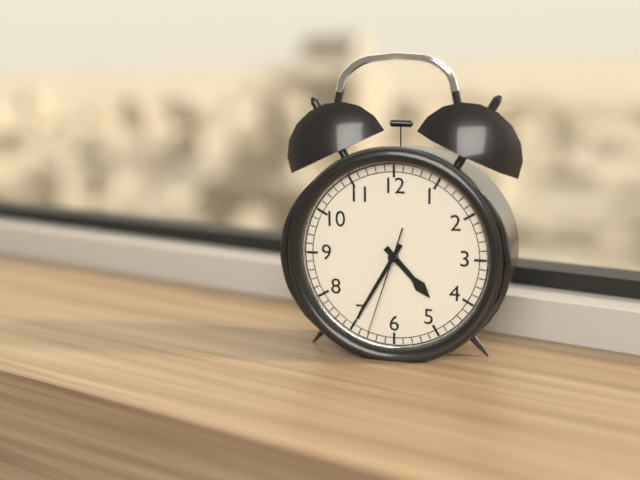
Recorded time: 4:35:33
